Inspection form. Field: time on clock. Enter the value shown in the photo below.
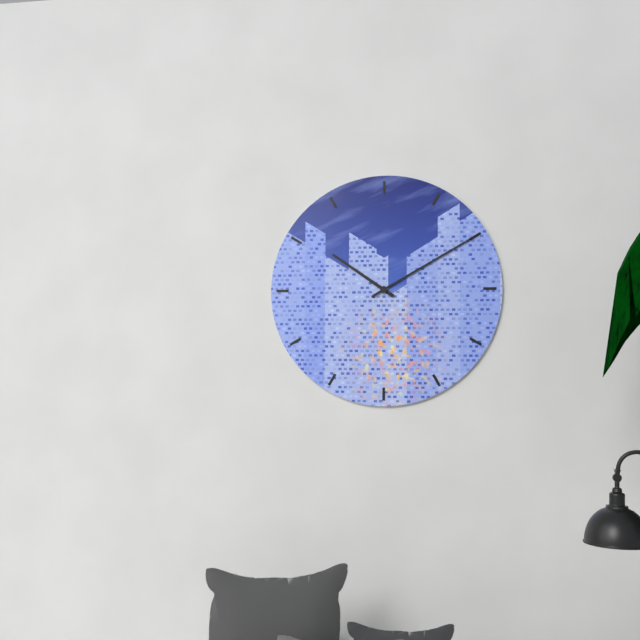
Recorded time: 10:10
